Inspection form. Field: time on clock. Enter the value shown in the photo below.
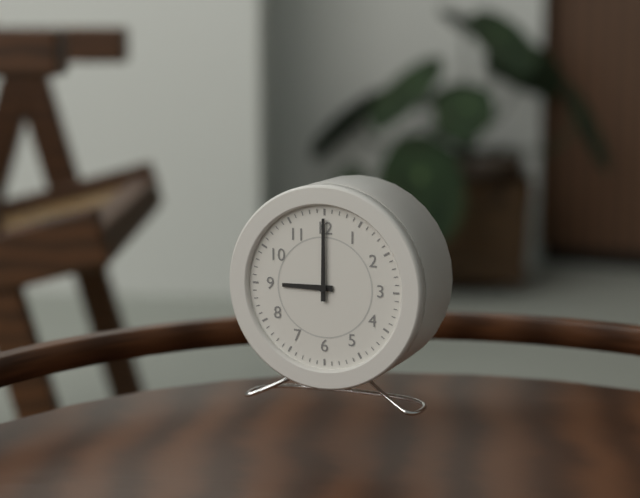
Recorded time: 9:00
